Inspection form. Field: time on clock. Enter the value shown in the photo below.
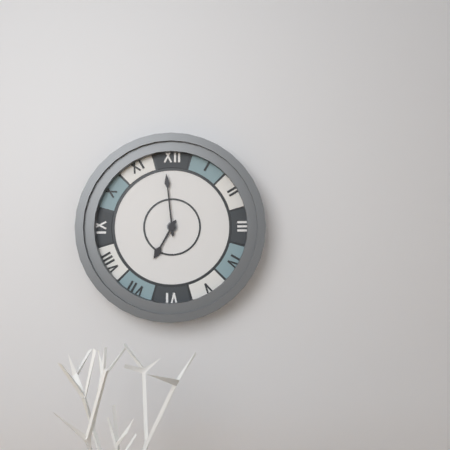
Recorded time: 6:59
